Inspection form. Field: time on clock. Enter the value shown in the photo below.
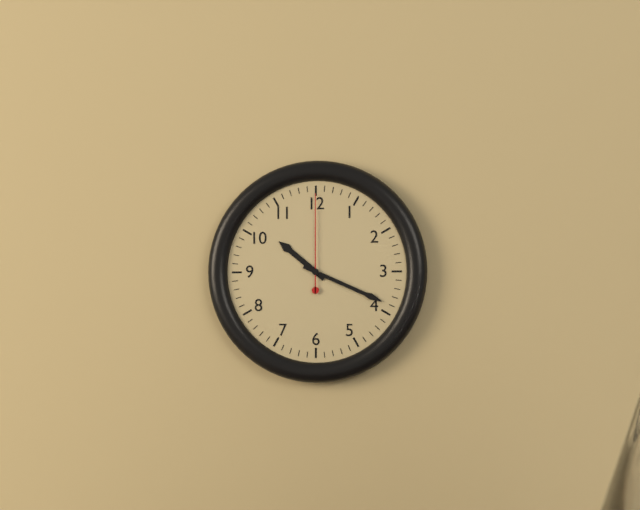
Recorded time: 10:19:00
